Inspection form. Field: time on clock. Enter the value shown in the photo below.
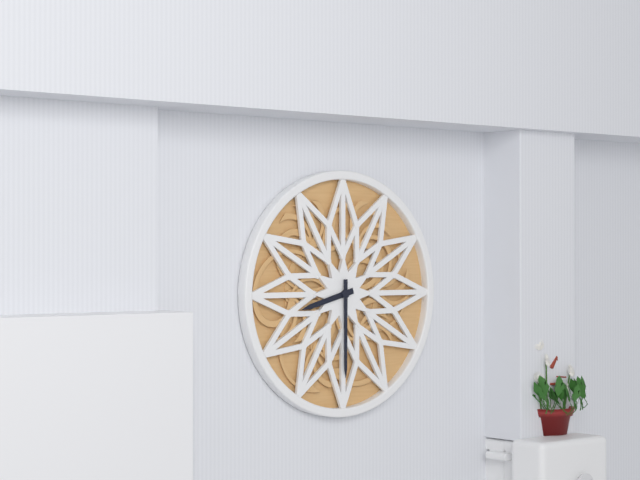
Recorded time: 8:30
